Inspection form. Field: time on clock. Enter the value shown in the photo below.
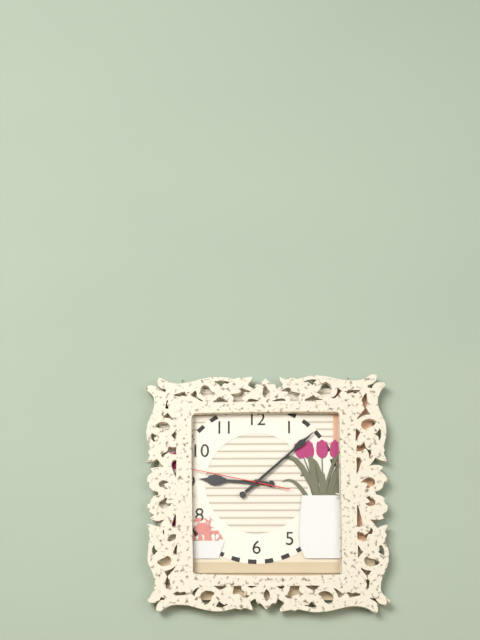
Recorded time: 9:08:47
